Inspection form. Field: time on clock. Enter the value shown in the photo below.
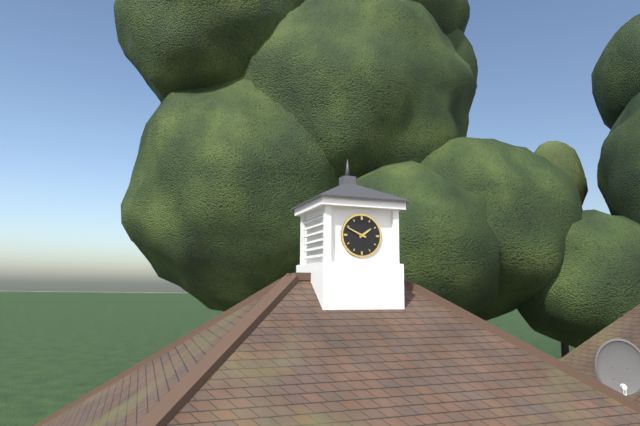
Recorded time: 1:49
